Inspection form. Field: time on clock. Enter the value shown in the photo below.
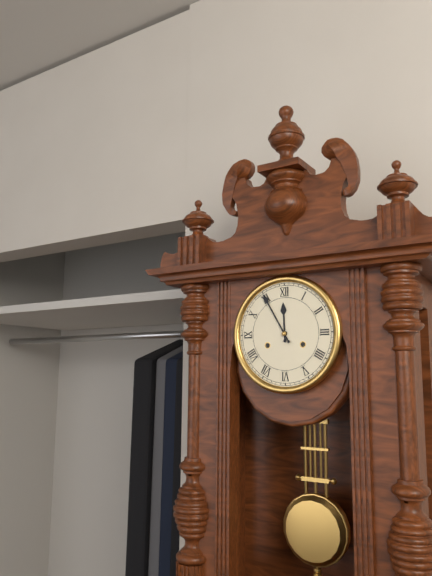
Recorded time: 11:55
